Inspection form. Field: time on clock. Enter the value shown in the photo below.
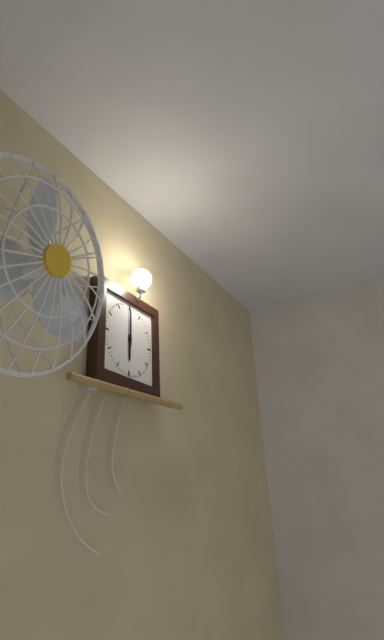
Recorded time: 6:00
